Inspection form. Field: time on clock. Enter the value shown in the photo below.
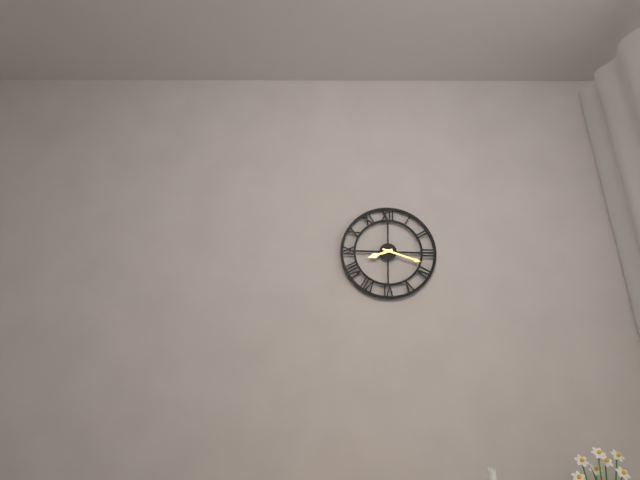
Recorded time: 8:18
